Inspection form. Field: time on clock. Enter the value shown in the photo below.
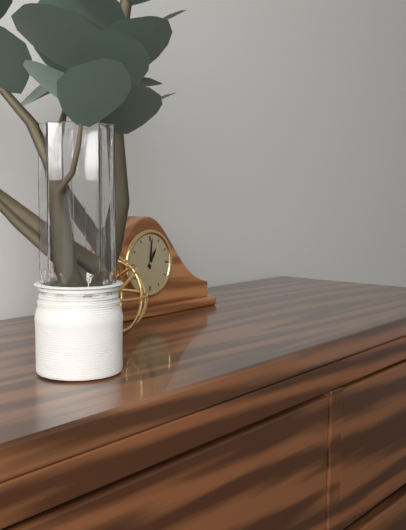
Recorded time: 1:01
